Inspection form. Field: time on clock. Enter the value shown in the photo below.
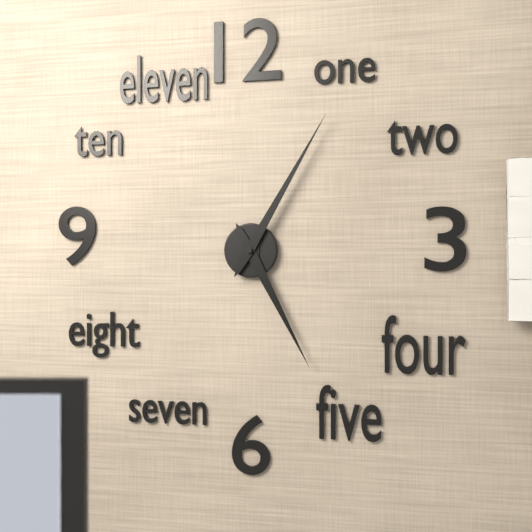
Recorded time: 5:05
